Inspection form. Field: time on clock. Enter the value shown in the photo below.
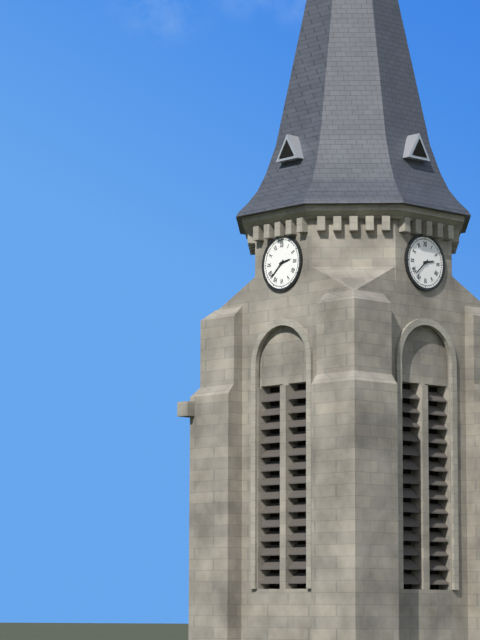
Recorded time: 2:38
